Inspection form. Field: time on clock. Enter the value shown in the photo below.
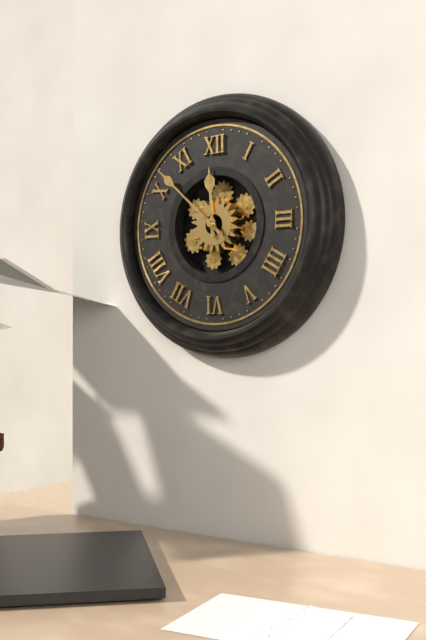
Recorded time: 11:52
